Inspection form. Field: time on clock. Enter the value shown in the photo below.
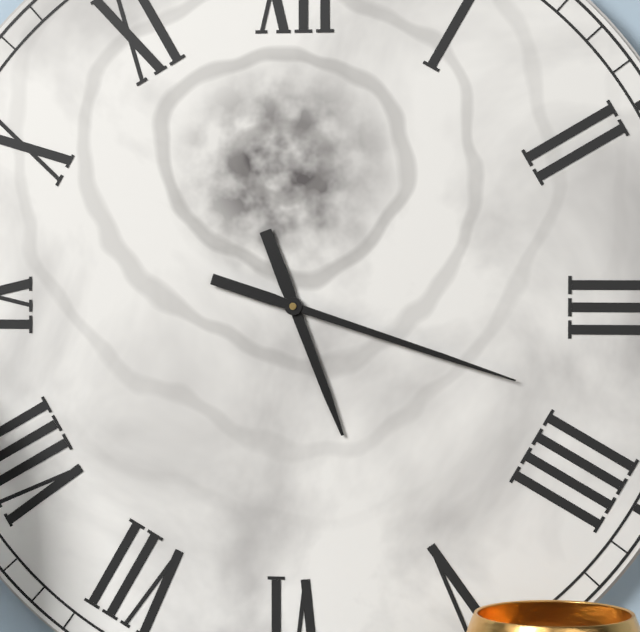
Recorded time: 5:18
